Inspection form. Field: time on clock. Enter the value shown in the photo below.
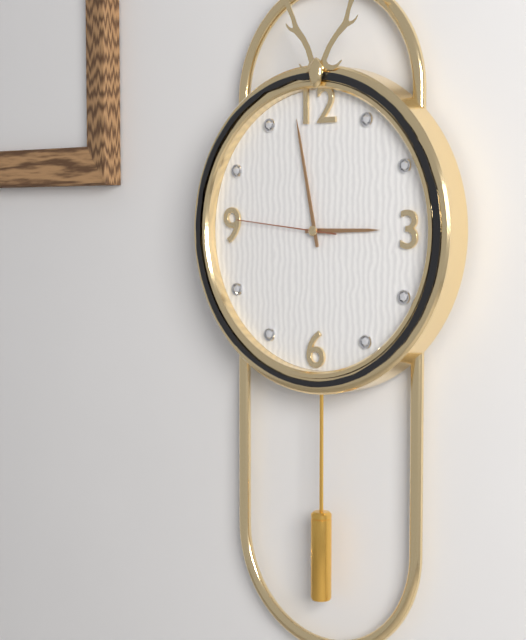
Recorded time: 2:58:46
